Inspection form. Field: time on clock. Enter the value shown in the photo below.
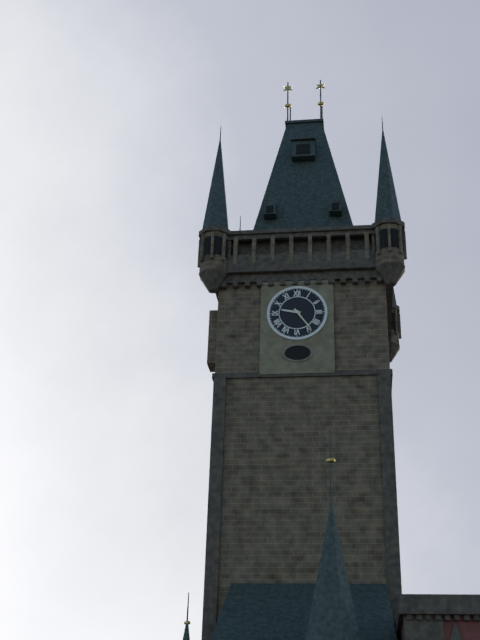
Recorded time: 9:24
